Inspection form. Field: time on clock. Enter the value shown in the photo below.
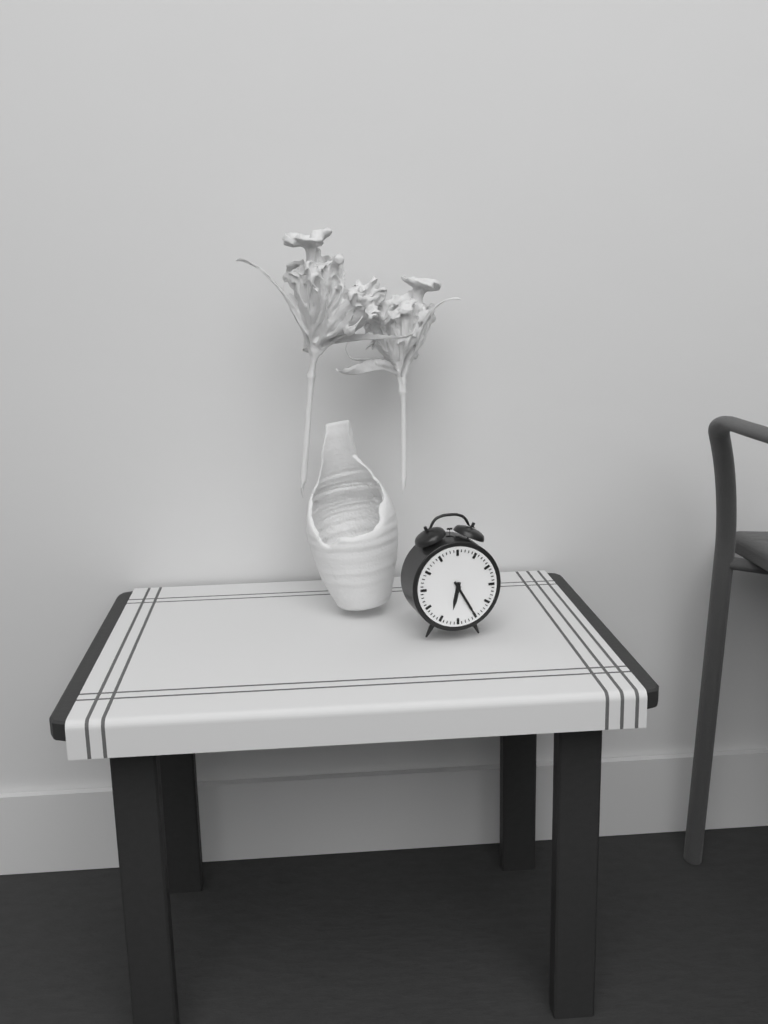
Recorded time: 6:25
